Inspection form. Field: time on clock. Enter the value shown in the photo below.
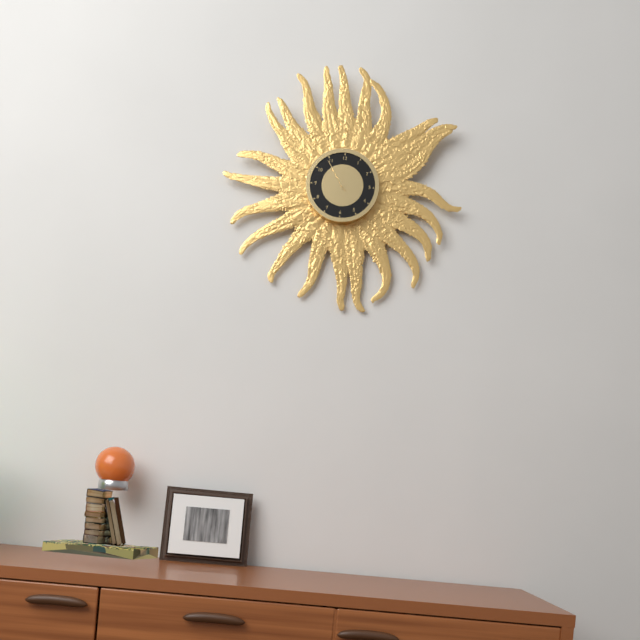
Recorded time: 11:54
